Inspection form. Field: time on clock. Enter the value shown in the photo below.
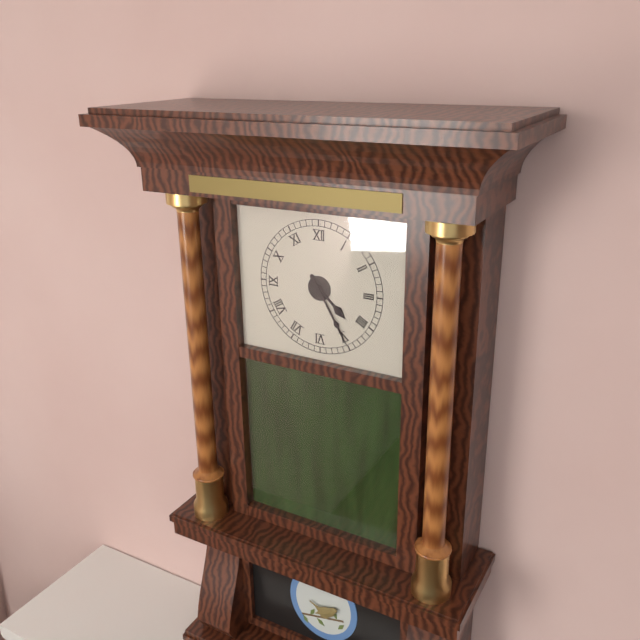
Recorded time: 4:25
